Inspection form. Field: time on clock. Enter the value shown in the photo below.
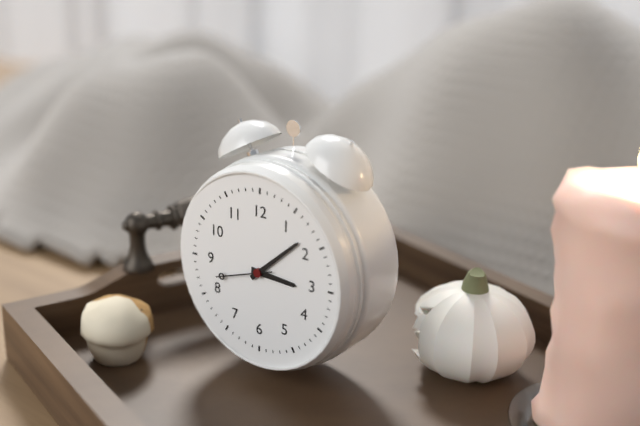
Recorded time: 3:08:42
